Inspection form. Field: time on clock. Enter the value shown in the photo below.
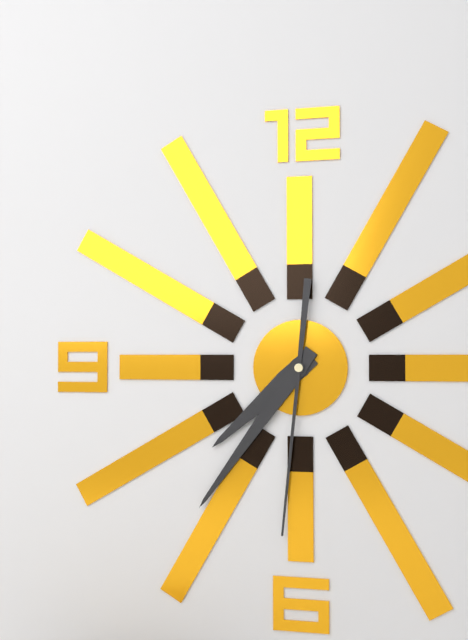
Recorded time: 7:36:31
